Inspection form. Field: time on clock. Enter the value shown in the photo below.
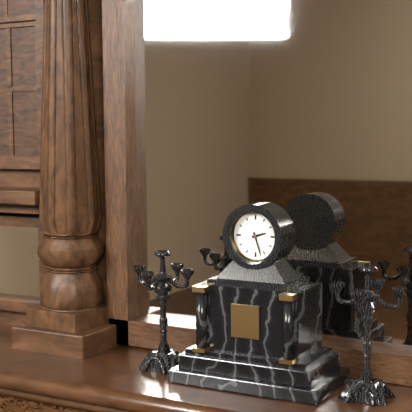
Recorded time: 2:27
